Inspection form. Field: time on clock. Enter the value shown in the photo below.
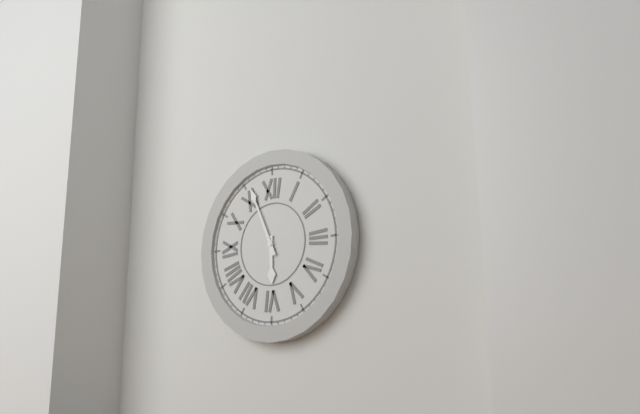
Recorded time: 5:56
